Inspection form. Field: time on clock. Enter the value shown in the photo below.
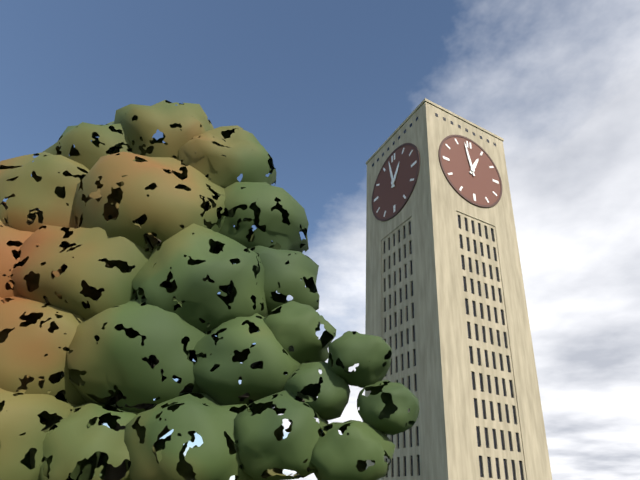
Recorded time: 12:58
